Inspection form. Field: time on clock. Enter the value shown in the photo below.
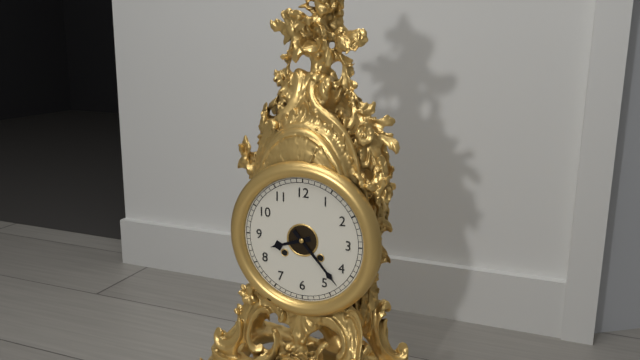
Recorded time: 8:23
